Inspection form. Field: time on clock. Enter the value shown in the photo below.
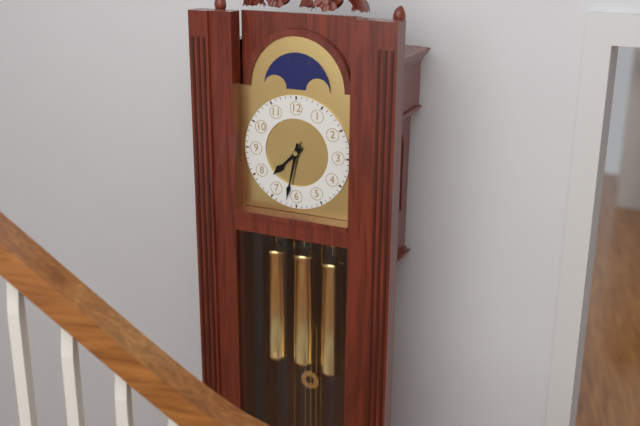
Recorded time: 7:32
